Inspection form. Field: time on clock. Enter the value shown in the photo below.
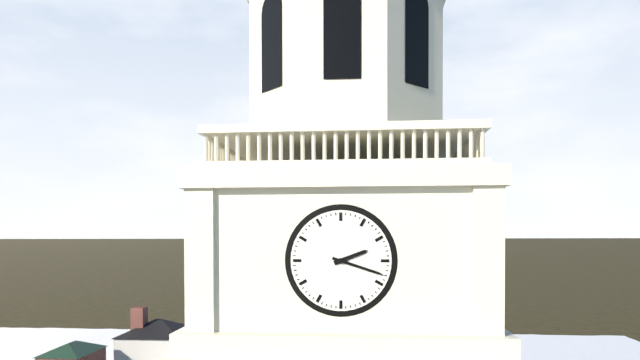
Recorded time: 2:18
